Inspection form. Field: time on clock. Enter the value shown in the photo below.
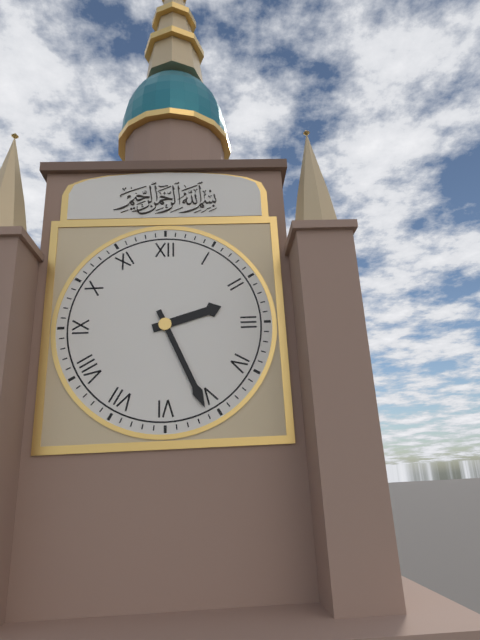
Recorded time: 2:26
